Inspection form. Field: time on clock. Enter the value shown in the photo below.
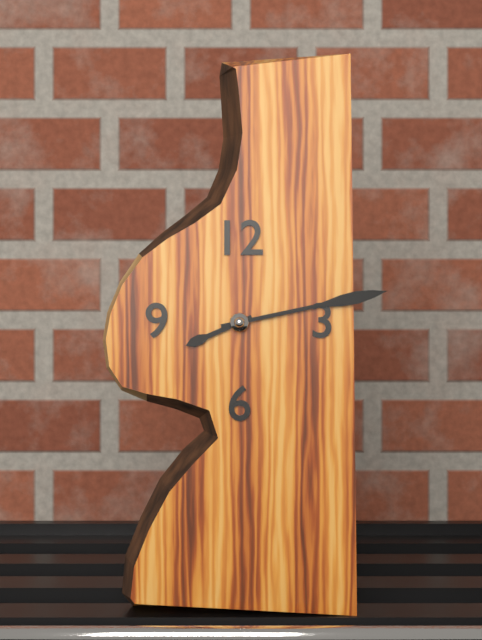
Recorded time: 8:13
